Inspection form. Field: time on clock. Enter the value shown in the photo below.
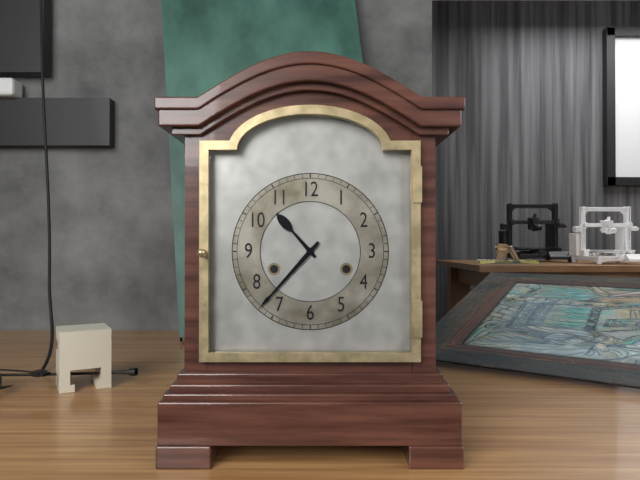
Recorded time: 10:37
